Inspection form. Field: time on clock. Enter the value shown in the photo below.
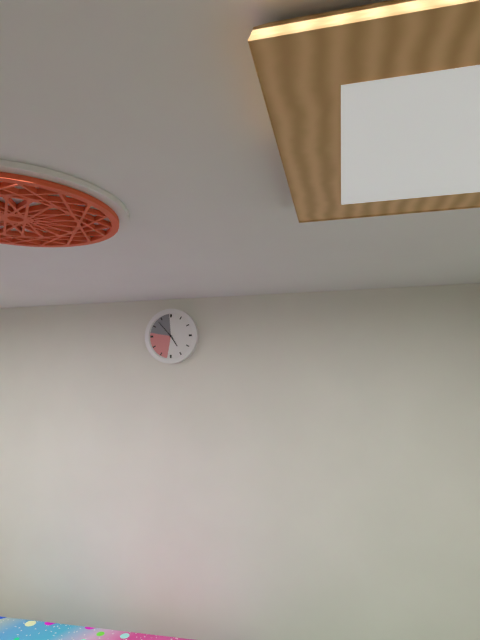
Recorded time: 4:53
